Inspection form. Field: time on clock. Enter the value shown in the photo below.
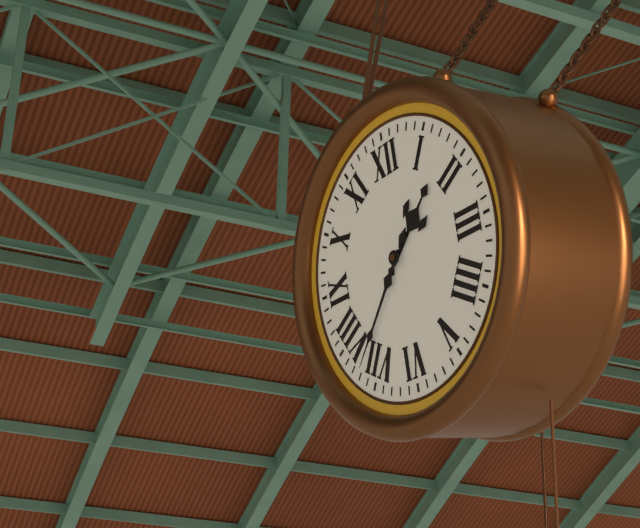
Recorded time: 1:37
